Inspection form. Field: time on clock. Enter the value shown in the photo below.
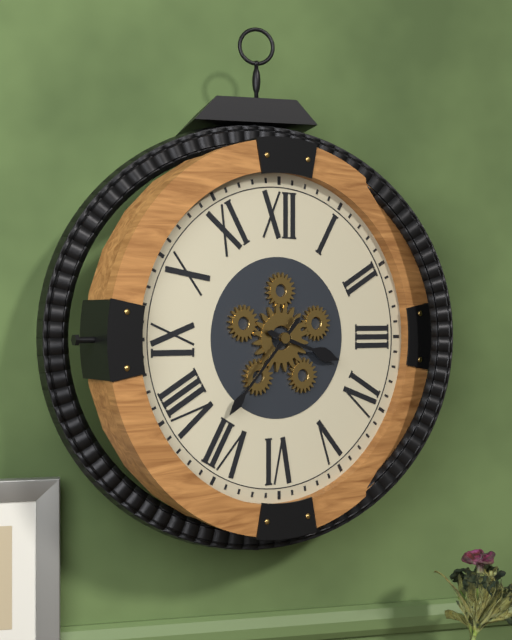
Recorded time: 3:37
